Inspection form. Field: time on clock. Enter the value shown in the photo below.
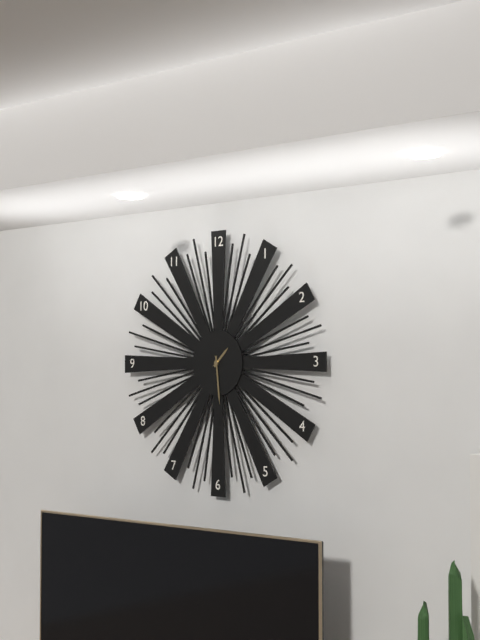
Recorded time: 1:29
